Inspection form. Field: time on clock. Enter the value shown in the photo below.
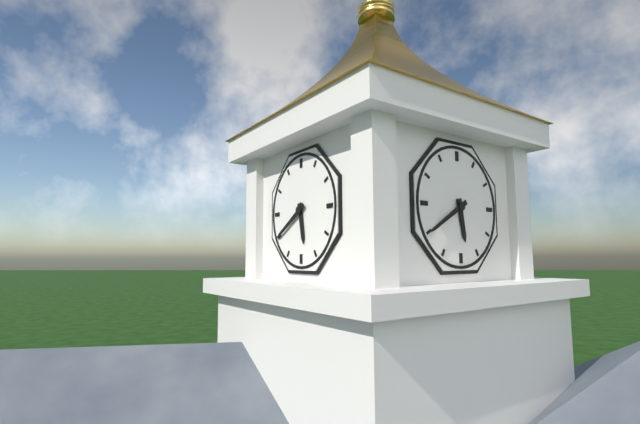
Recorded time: 5:40
